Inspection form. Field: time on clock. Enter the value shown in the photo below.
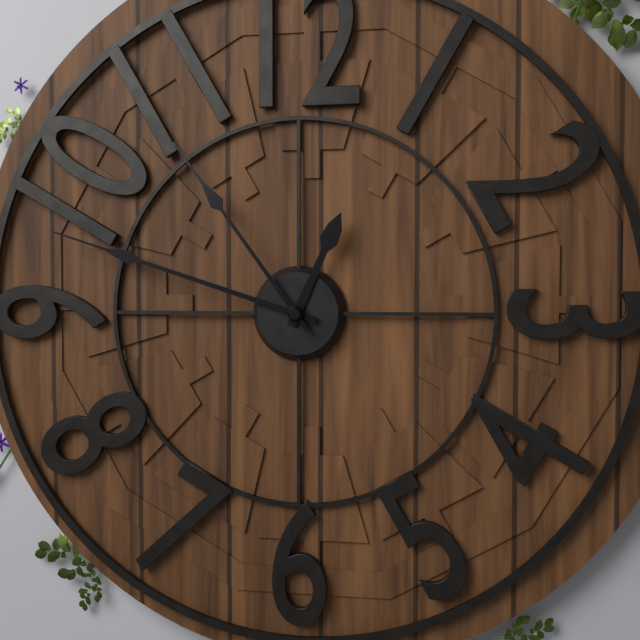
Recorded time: 12:48:54
